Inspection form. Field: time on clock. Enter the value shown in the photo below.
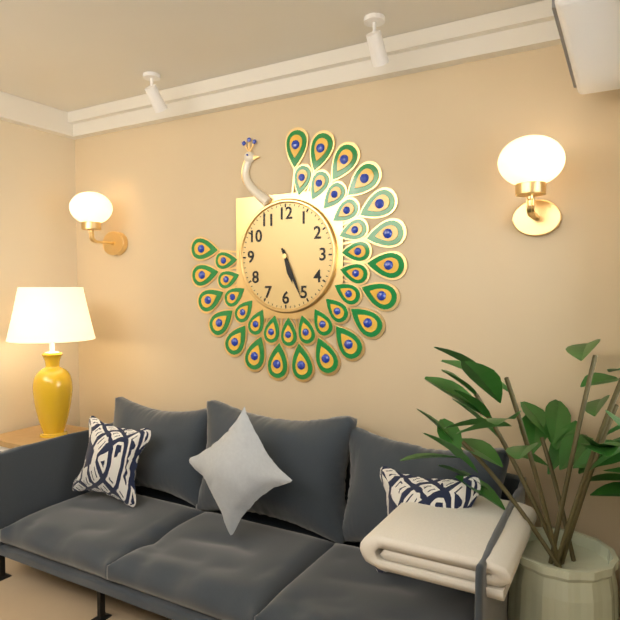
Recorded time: 5:26
